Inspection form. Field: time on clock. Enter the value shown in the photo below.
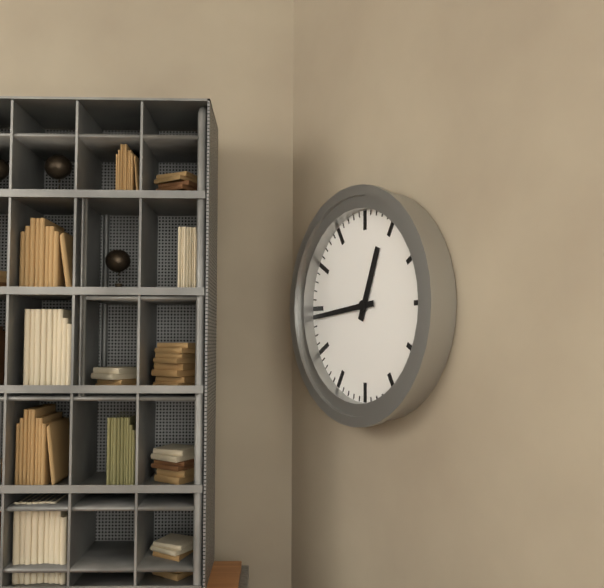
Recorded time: 12:44
